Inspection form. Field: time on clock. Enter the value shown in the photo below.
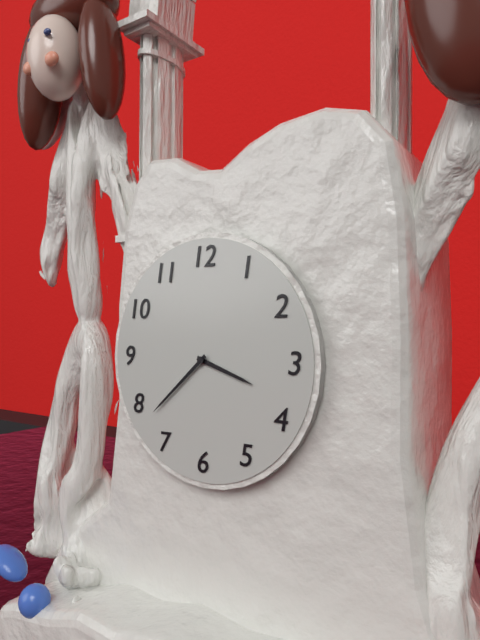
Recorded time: 3:38
